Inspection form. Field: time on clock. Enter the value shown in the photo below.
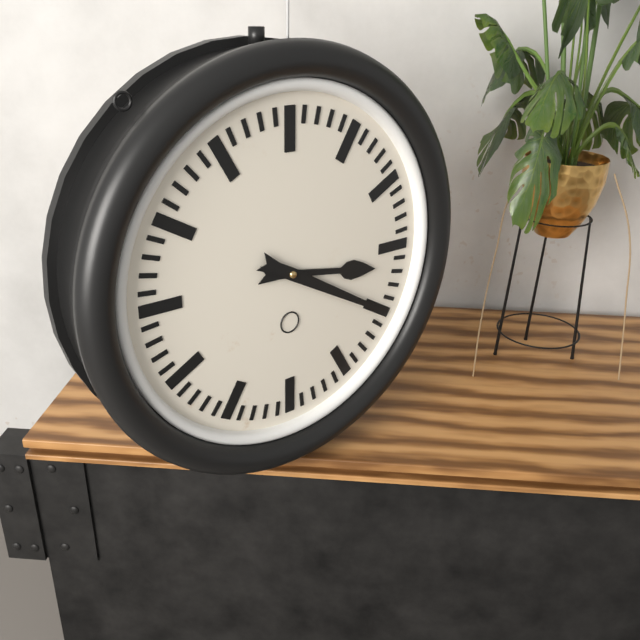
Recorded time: 3:20
